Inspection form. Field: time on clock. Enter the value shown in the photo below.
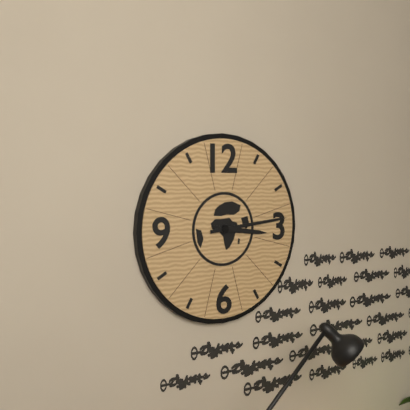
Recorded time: 3:14
